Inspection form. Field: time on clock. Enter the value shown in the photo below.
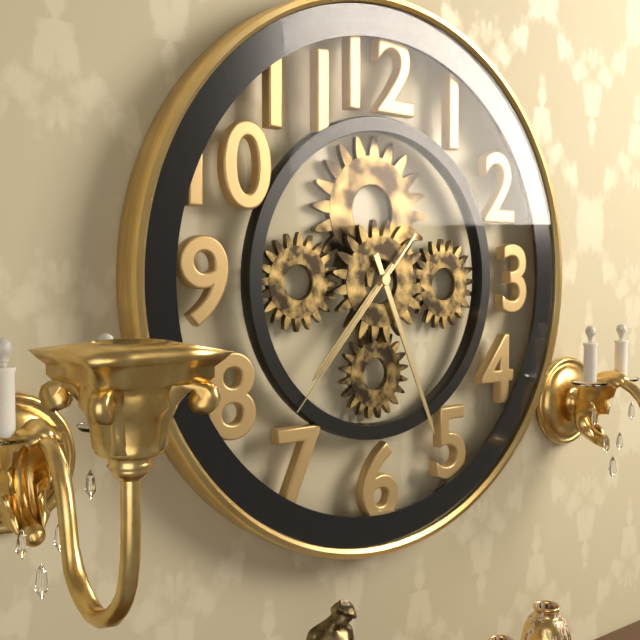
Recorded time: 7:26:37
